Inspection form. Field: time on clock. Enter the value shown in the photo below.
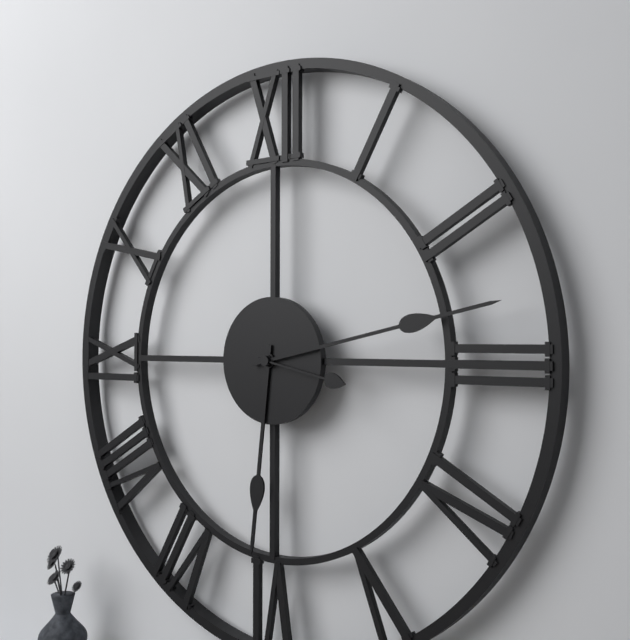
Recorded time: 6:13:17
